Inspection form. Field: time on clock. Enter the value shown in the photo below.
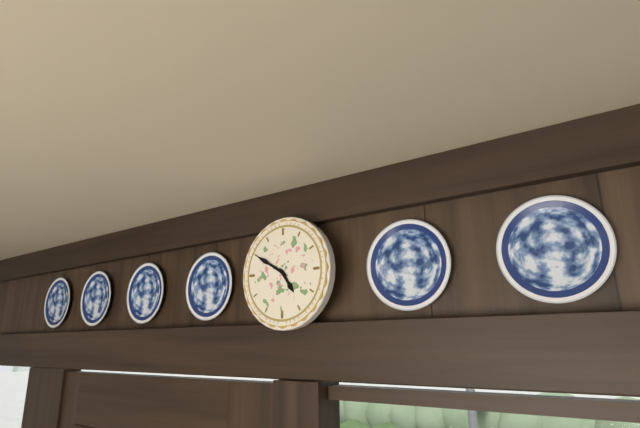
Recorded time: 4:50
